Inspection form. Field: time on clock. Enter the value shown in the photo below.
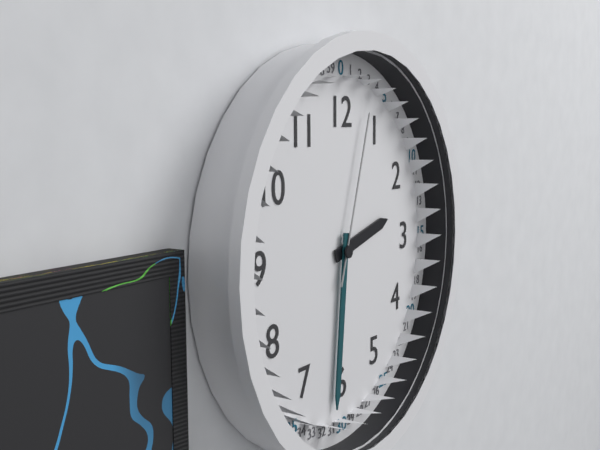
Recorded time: 2:31:03
